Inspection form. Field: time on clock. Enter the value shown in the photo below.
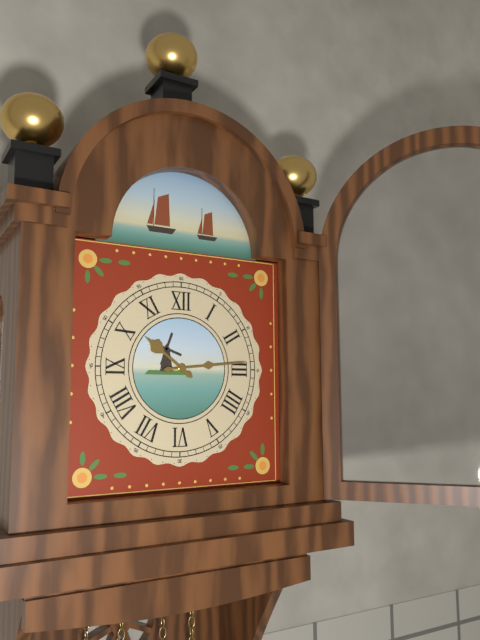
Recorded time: 10:14
